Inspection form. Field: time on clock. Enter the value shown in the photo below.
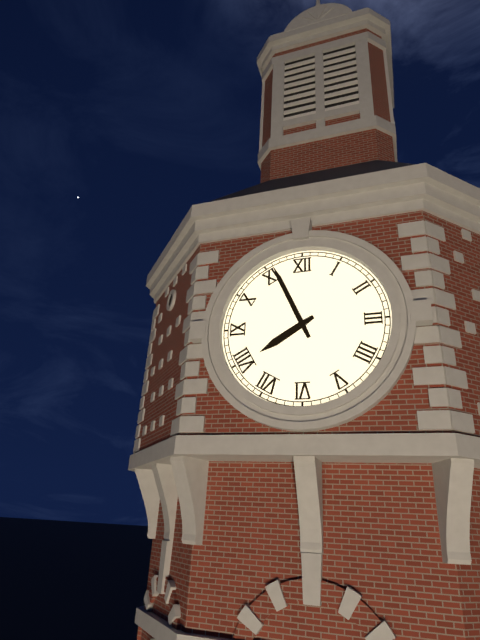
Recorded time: 7:56
